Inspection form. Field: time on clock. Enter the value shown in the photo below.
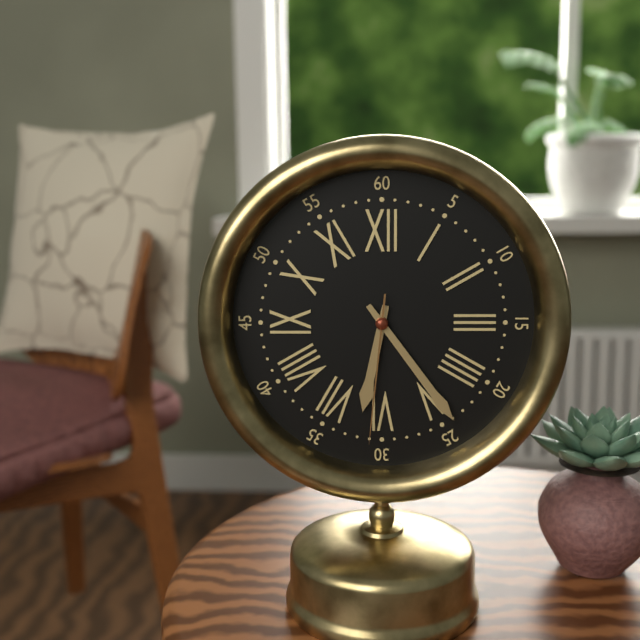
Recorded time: 6:24:31
